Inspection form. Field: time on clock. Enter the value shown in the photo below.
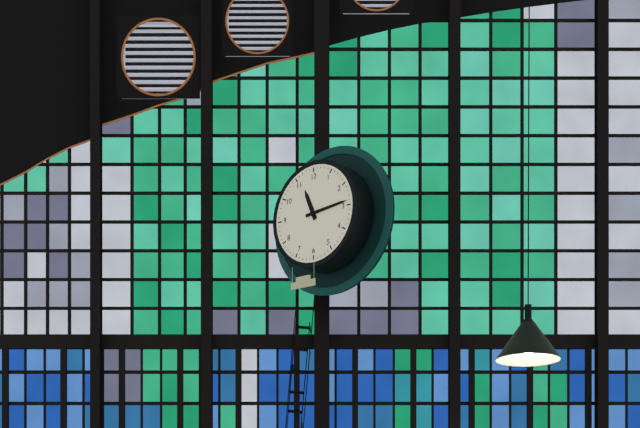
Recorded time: 11:14
